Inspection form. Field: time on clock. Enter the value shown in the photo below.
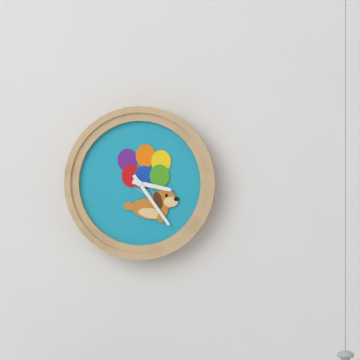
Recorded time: 3:24
